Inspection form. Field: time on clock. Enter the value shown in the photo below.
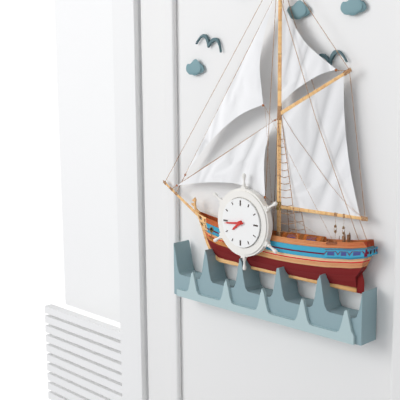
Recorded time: 7:44
